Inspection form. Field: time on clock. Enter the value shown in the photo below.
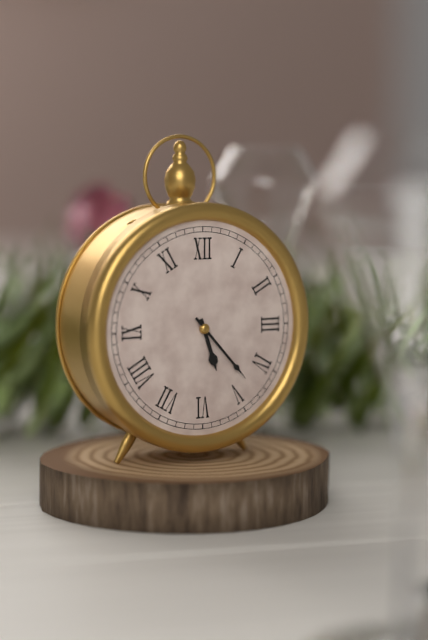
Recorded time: 5:23
